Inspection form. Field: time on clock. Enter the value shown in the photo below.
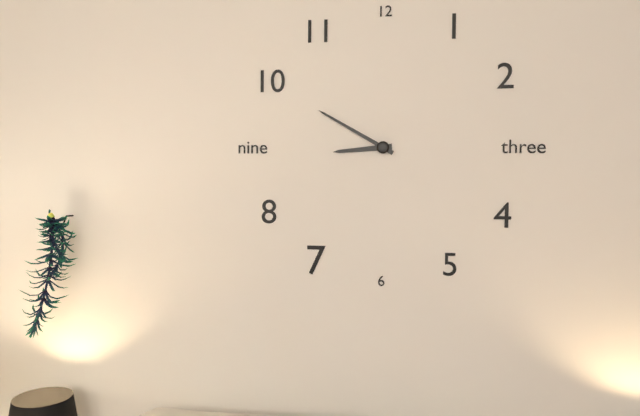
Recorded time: 8:50
